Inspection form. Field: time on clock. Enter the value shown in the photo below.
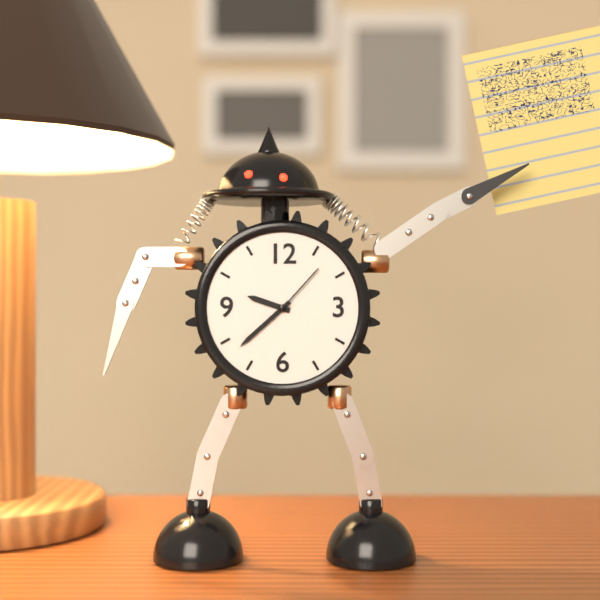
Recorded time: 9:38:07
